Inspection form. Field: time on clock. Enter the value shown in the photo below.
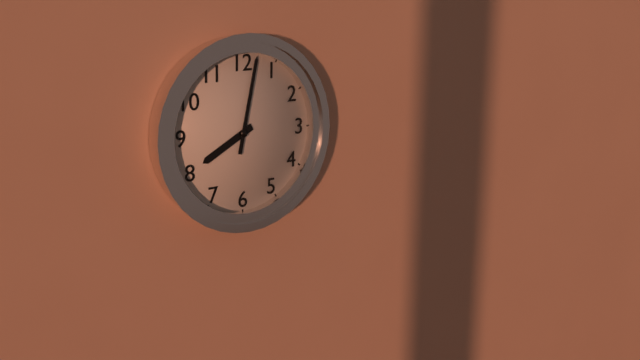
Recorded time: 8:02
